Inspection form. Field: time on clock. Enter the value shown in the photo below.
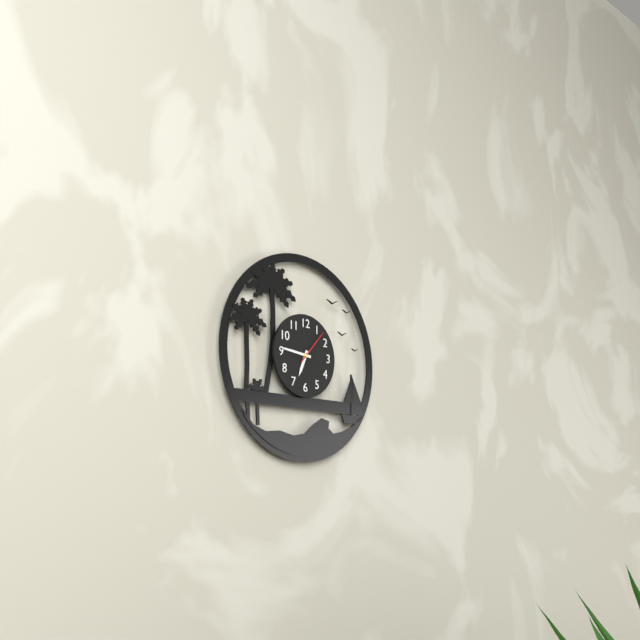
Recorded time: 6:46
